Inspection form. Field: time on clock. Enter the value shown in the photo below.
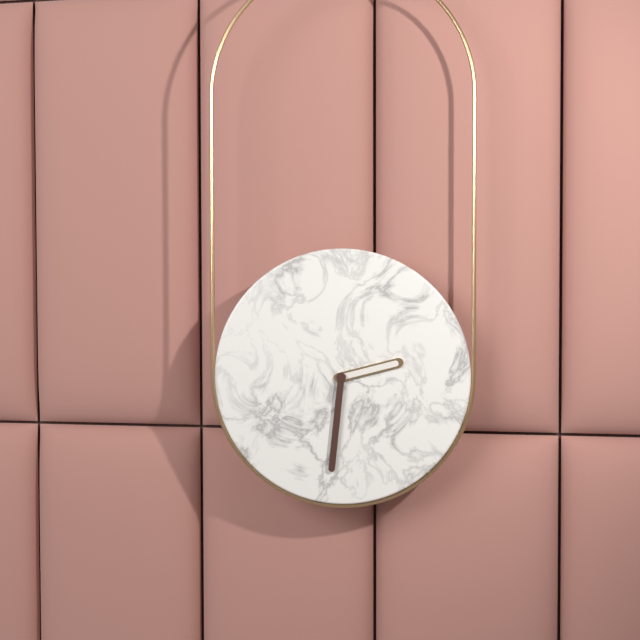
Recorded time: 2:31
